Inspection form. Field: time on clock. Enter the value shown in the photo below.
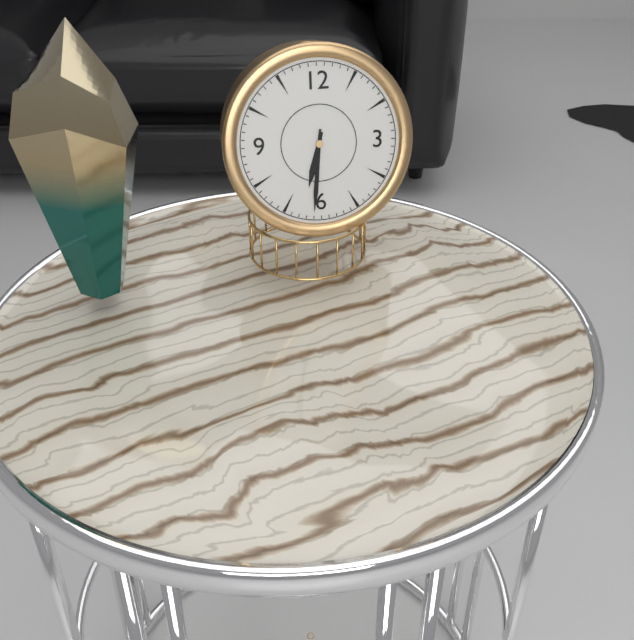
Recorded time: 6:31
